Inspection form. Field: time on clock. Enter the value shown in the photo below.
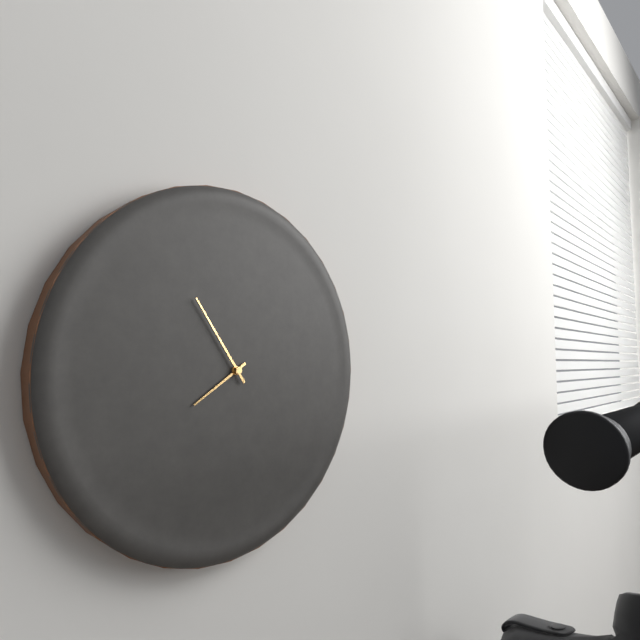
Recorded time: 7:54
